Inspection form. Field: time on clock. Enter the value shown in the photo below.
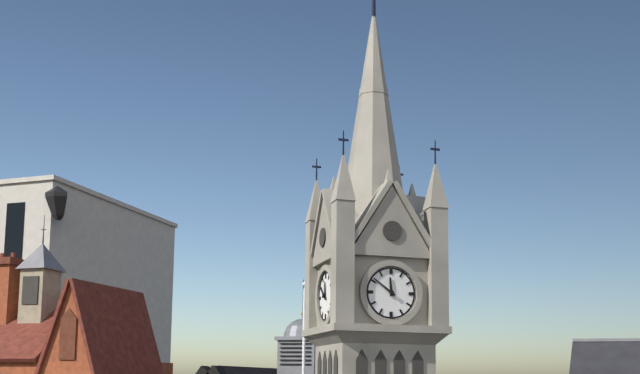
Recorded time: 11:51
